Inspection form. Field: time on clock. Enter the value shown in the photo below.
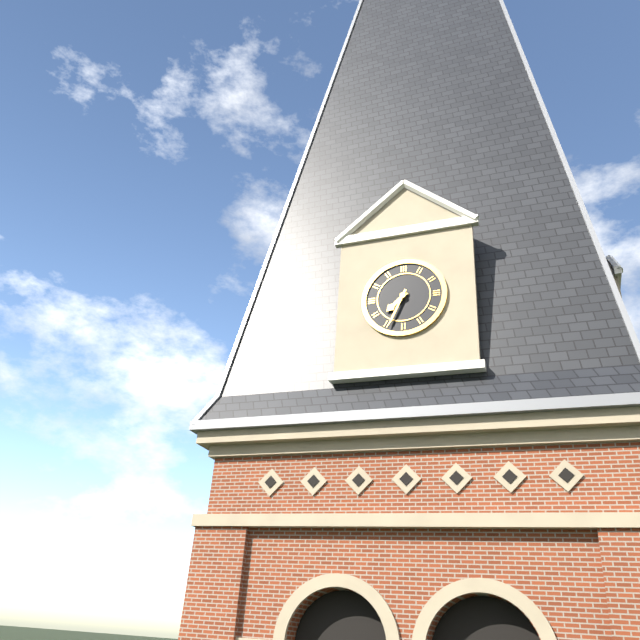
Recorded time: 7:34
